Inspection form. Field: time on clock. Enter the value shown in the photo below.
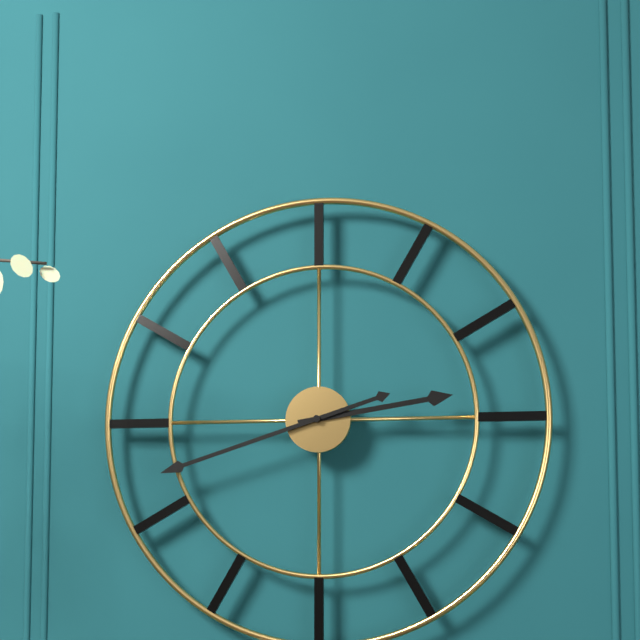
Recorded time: 2:42
